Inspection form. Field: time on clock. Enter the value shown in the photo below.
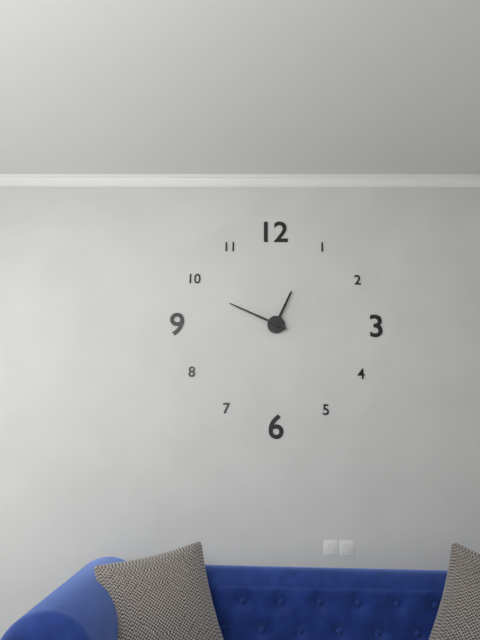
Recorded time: 12:49
